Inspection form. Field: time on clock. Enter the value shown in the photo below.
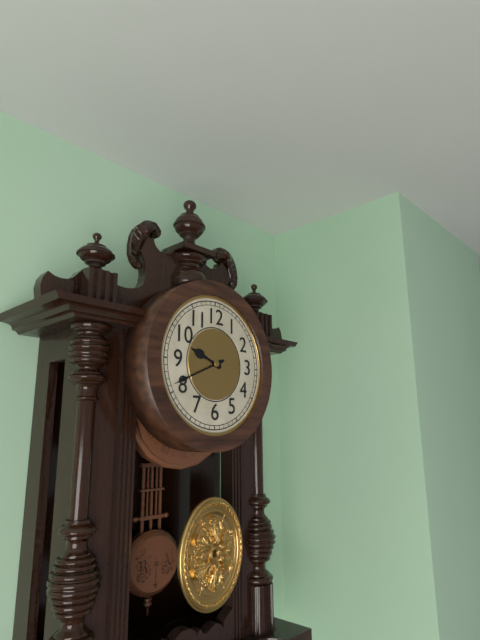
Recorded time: 9:41
